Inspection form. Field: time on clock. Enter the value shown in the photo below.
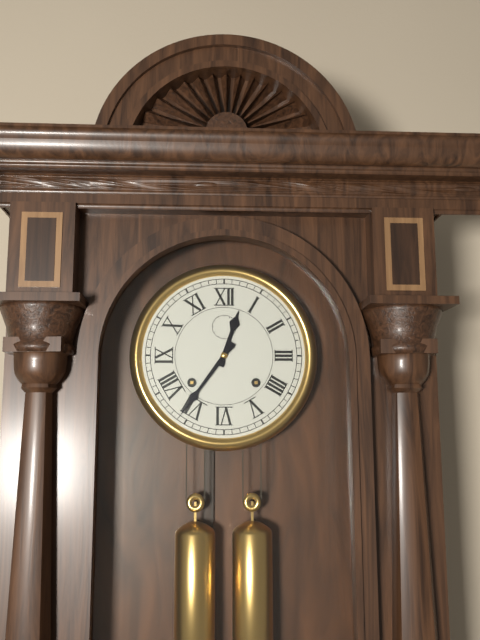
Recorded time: 12:36
